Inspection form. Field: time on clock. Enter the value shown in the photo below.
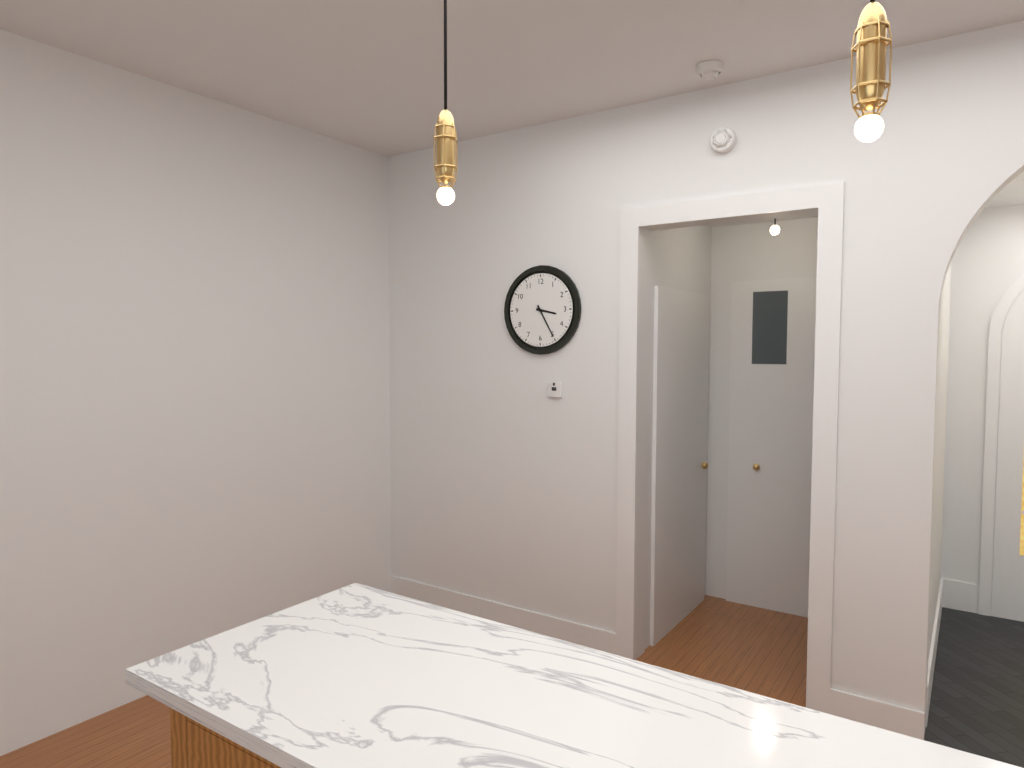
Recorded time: 3:25
